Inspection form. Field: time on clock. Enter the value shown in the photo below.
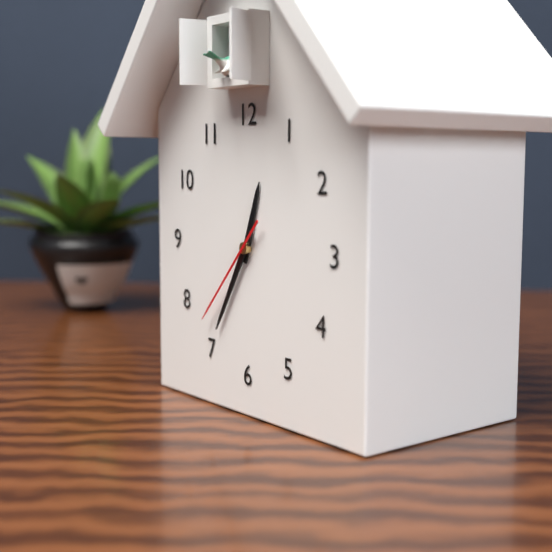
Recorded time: 12:35:37
